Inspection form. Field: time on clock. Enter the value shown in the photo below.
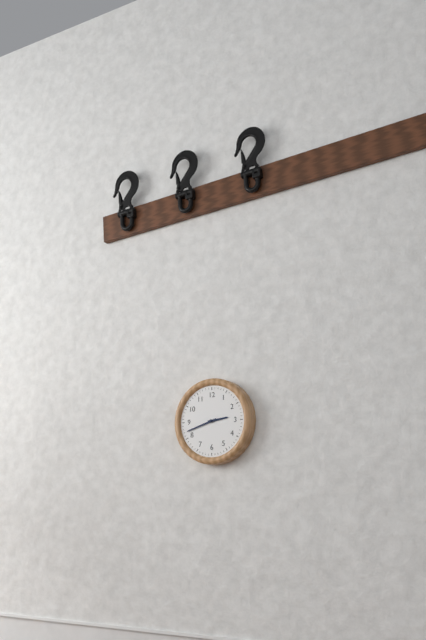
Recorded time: 2:42
